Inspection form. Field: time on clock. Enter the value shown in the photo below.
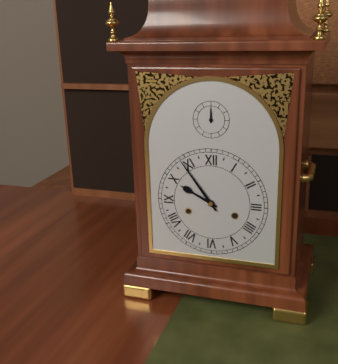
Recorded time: 9:54
